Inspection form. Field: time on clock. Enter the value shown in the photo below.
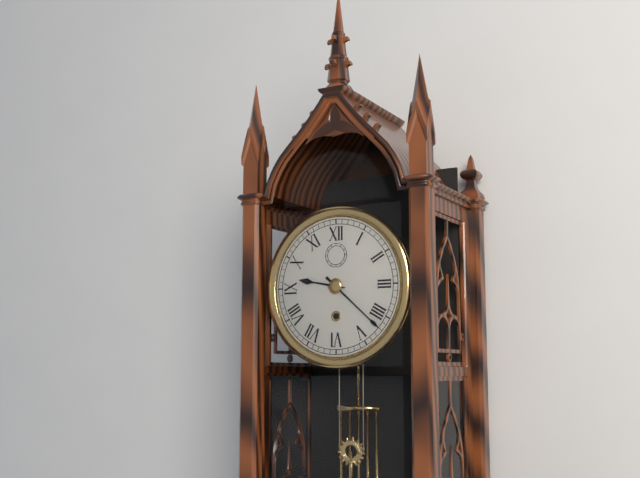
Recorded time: 9:22
